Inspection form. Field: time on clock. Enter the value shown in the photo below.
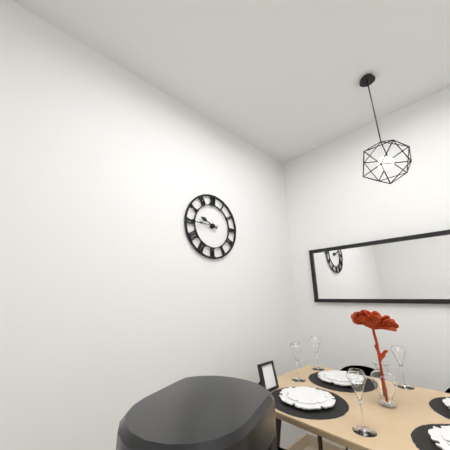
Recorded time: 9:45
